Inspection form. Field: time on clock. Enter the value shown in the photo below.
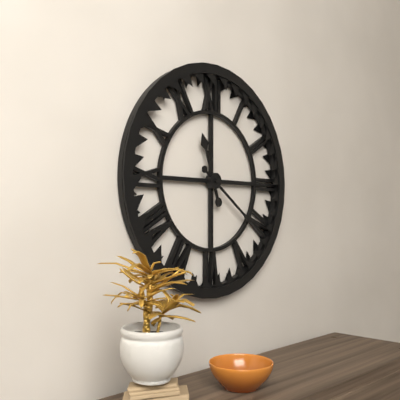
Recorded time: 11:21
